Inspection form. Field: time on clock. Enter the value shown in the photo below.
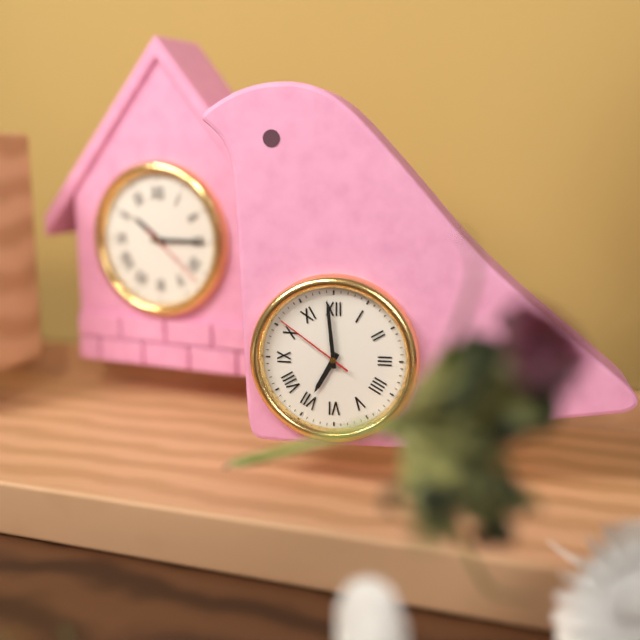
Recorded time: 6:59:51
